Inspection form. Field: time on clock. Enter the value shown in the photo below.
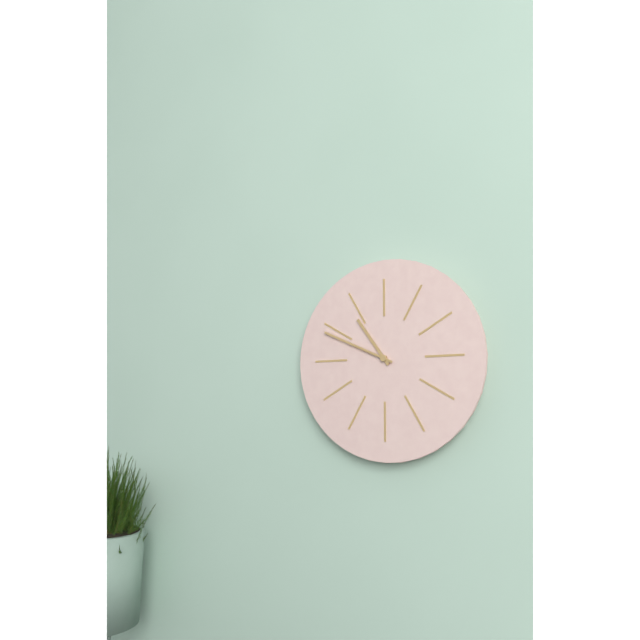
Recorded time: 10:49
